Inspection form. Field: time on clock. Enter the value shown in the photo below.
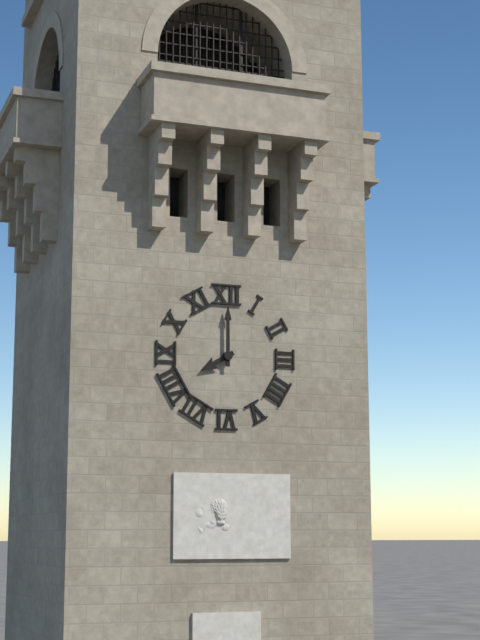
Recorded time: 8:00
